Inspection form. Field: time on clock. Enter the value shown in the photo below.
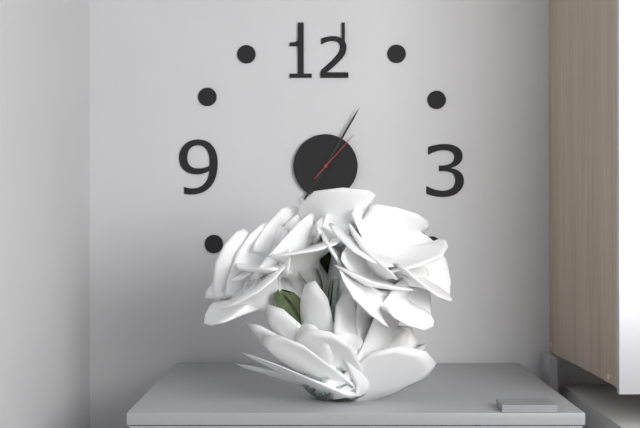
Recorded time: 7:05:07
